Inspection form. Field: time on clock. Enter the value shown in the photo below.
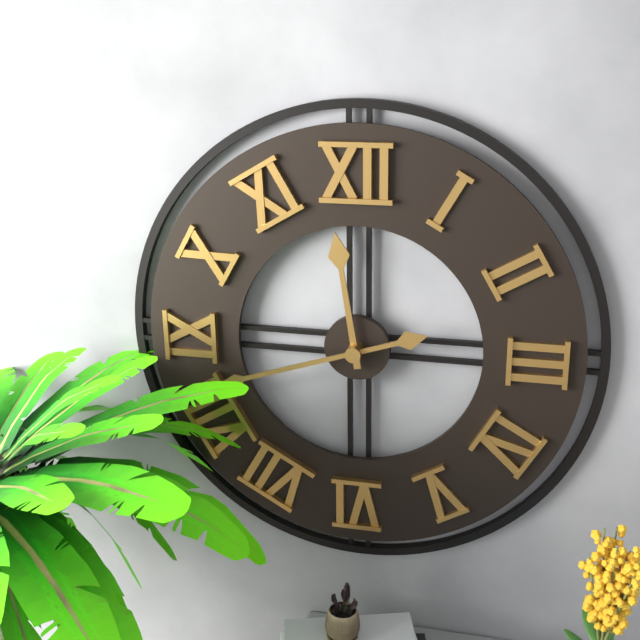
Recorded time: 11:42
